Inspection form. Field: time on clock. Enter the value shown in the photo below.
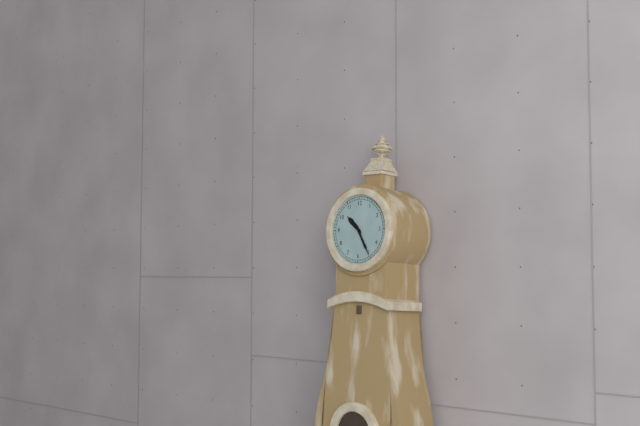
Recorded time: 10:25
